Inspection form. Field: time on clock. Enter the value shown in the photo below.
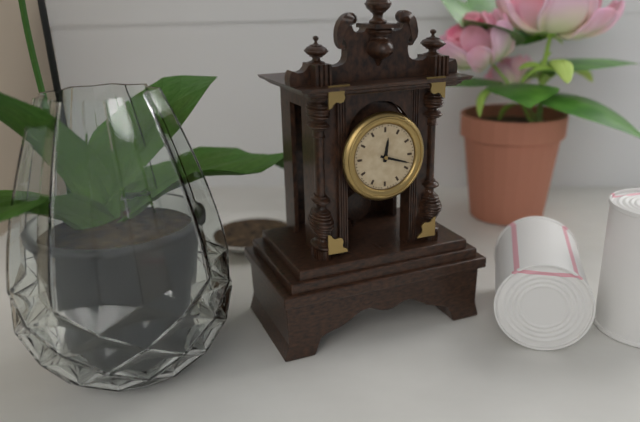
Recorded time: 12:18
